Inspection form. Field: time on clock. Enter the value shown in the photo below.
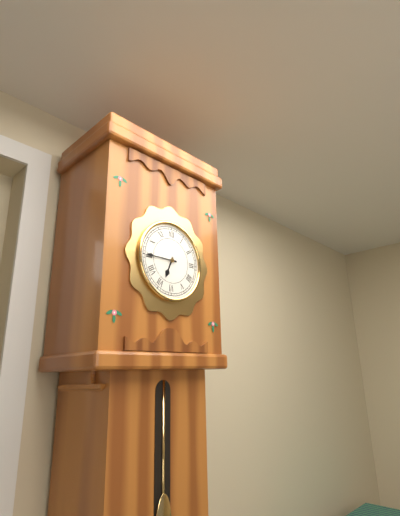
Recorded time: 6:45
